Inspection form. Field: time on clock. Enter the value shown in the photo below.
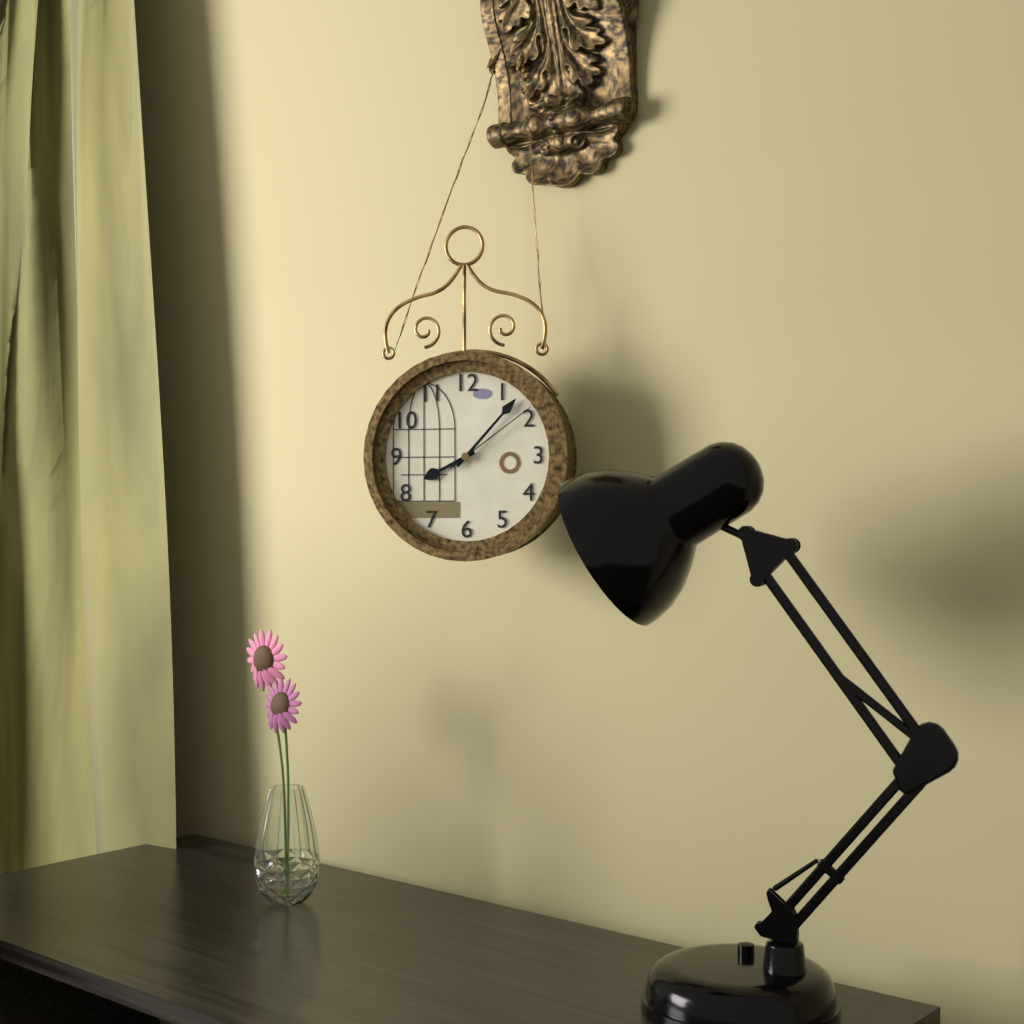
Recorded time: 8:07:09
